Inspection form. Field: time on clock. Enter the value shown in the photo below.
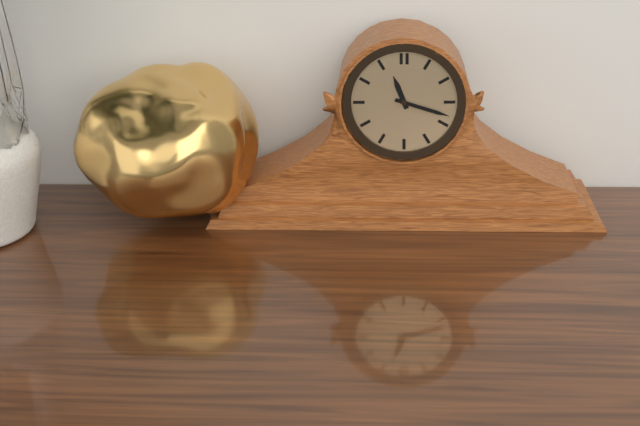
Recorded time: 11:18
